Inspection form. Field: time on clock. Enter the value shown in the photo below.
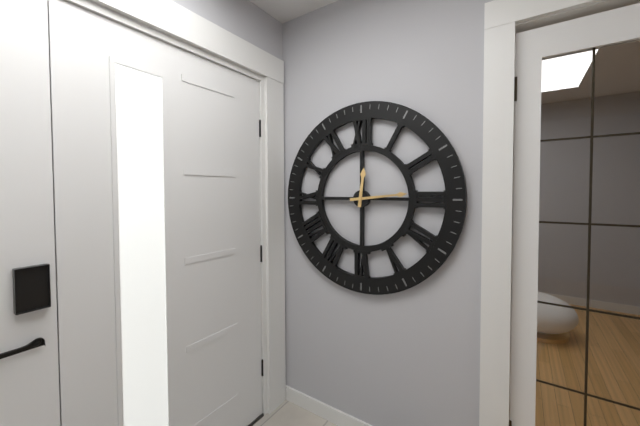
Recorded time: 12:14
